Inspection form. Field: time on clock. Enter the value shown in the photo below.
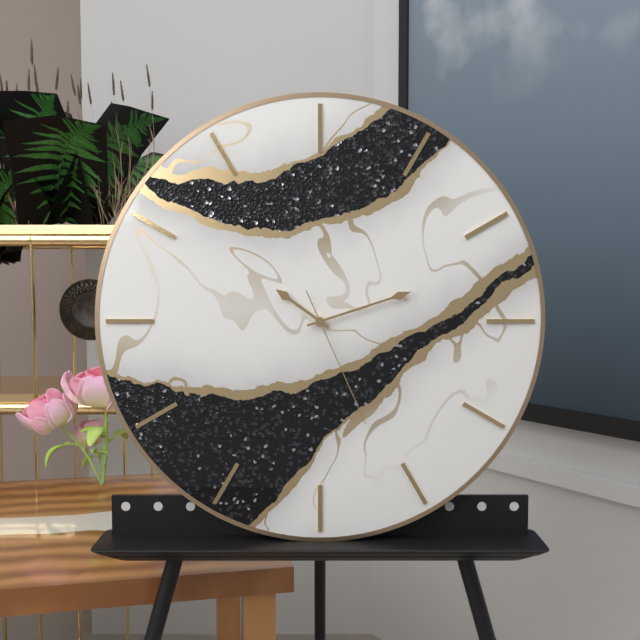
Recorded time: 10:12:26
